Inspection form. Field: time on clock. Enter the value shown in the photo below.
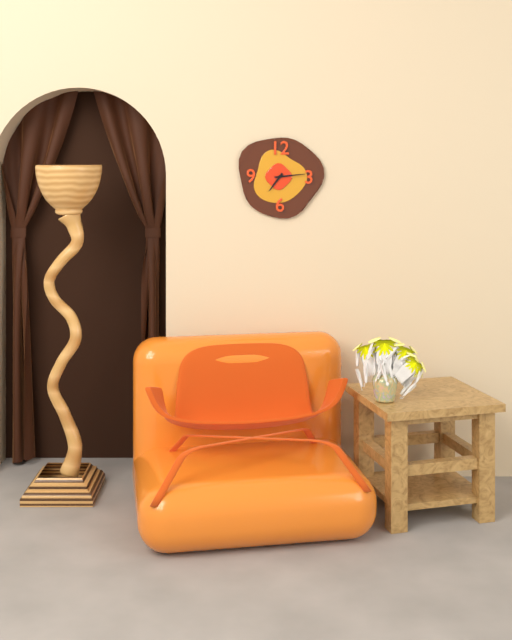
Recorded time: 7:14
